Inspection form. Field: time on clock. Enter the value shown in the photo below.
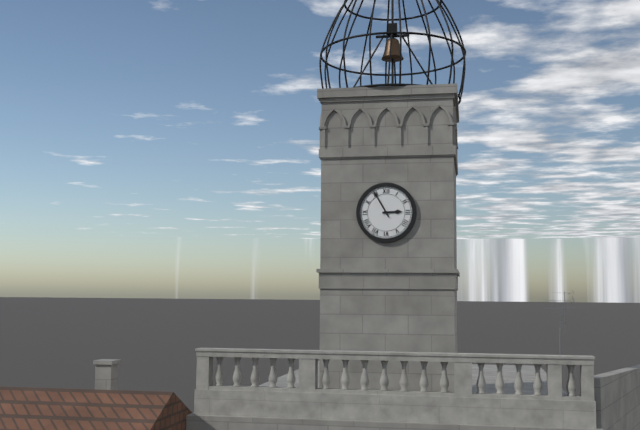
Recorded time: 2:55
